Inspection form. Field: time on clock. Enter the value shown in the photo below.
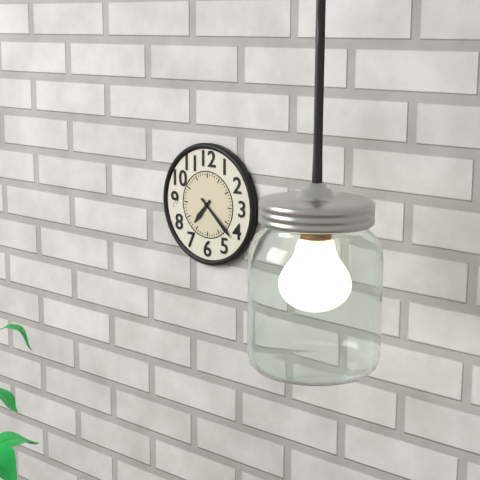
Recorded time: 7:22
